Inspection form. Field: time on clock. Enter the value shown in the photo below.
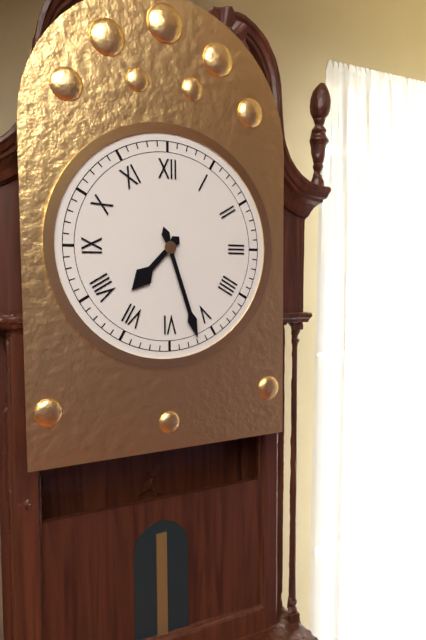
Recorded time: 7:27
